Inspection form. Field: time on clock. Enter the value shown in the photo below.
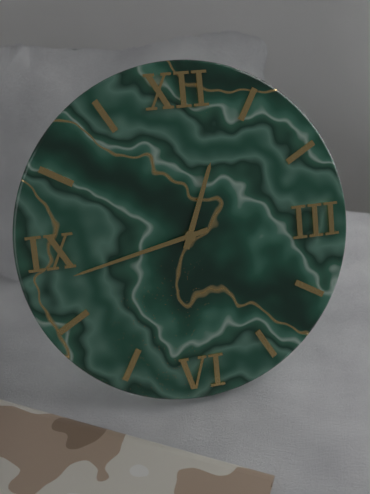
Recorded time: 12:43
